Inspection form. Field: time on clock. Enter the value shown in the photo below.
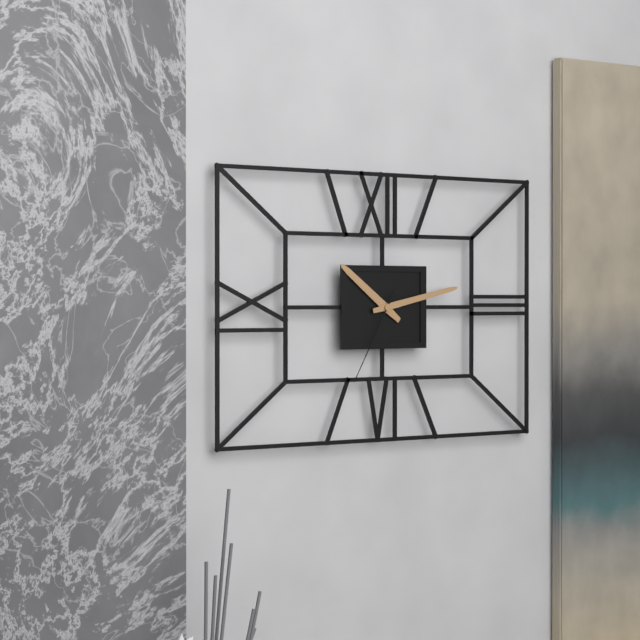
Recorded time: 10:13:35
